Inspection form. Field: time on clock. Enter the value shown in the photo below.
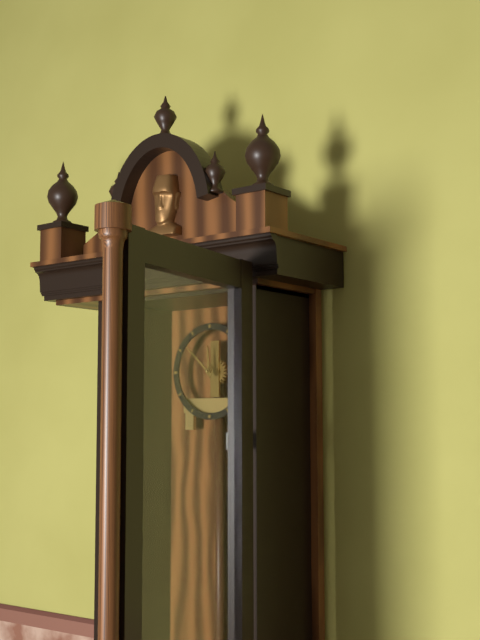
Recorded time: 11:52
